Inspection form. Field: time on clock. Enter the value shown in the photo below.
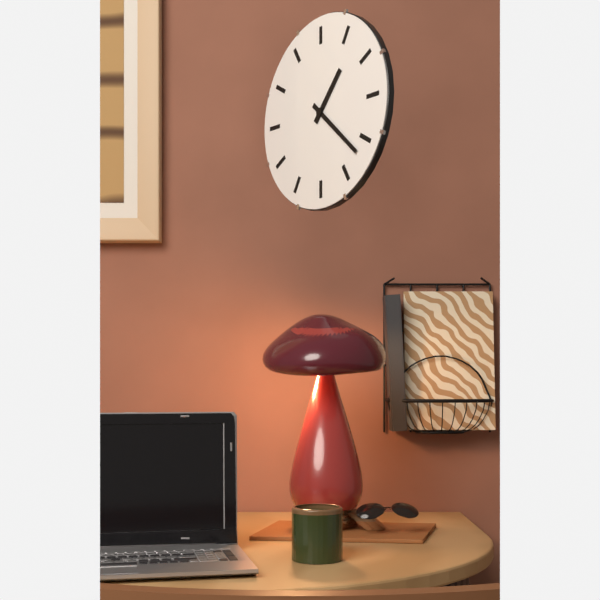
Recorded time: 1:22
